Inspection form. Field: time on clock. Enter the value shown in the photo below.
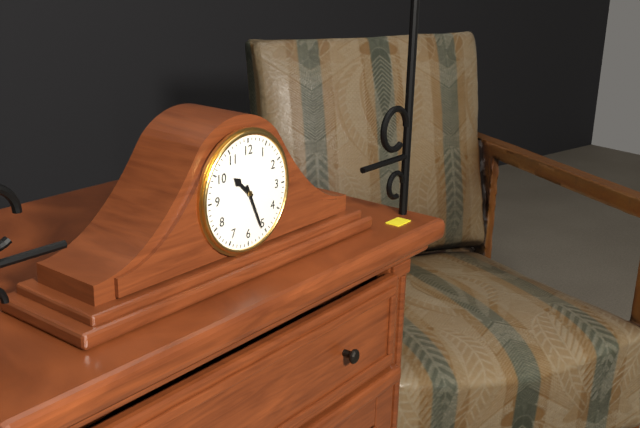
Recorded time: 10:26
